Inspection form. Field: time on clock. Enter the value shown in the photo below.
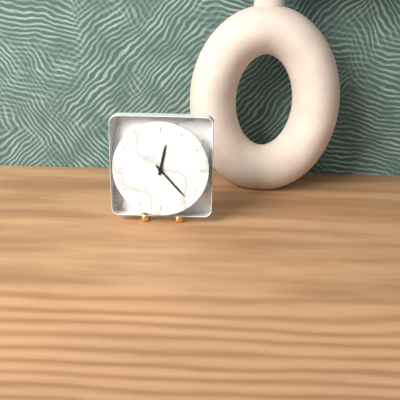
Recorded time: 12:23
